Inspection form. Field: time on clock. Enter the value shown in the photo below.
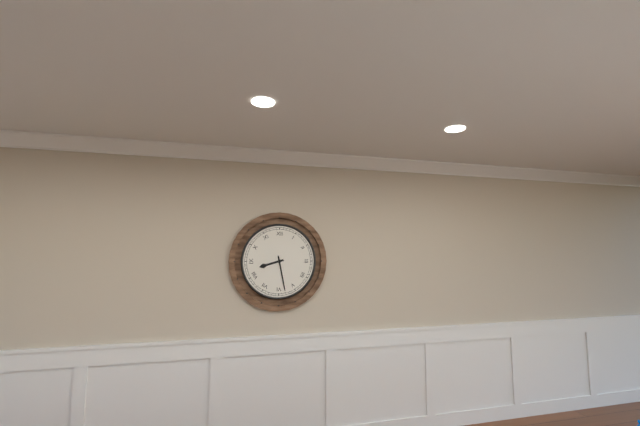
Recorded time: 8:28
